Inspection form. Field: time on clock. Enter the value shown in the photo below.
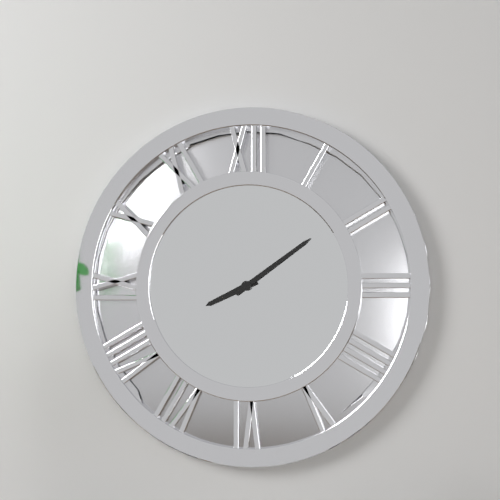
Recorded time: 8:09
